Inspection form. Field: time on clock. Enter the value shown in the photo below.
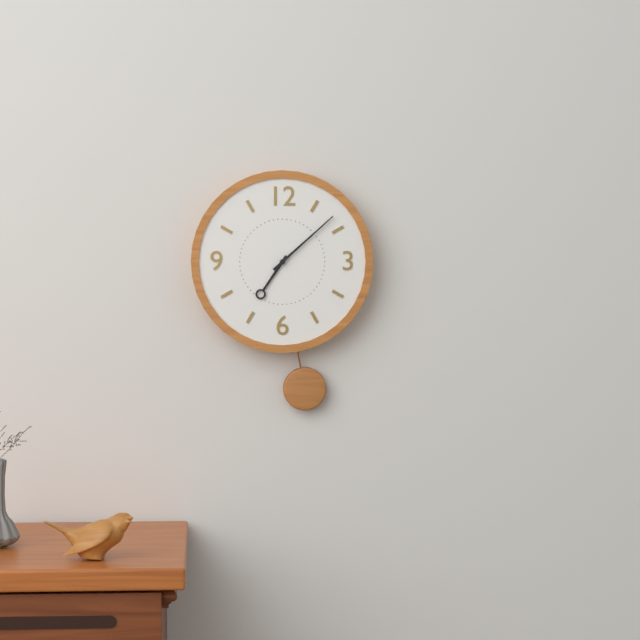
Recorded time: 7:08
